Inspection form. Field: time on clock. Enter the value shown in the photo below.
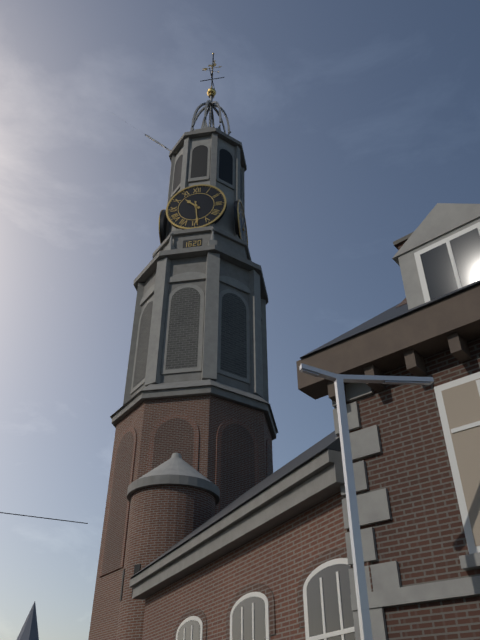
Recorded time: 10:29
